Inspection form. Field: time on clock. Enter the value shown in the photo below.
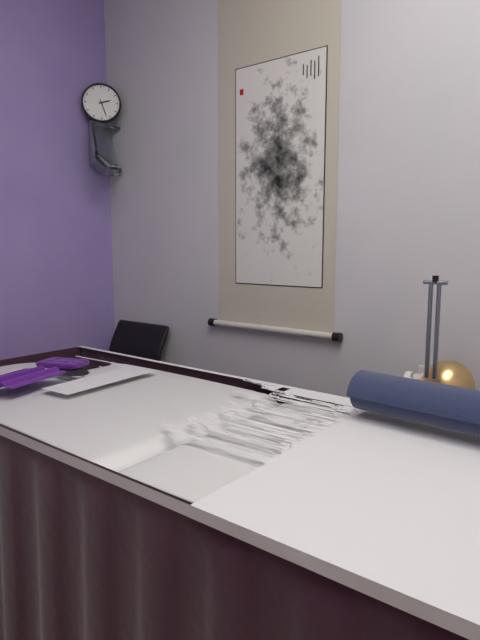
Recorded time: 2:27
